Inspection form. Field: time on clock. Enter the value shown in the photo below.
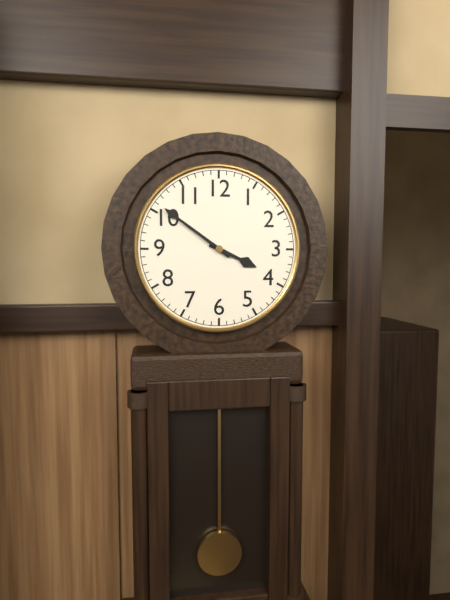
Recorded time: 3:51
